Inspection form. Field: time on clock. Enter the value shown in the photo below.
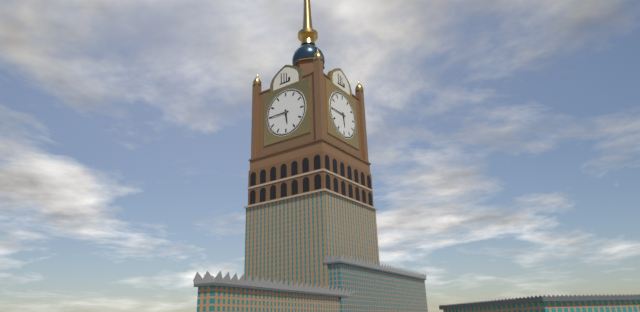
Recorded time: 5:45
